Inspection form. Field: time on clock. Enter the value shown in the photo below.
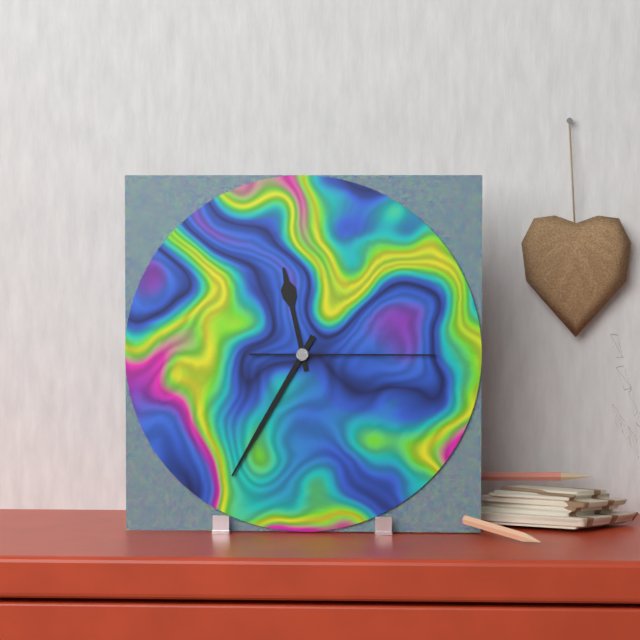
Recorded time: 11:35:15
